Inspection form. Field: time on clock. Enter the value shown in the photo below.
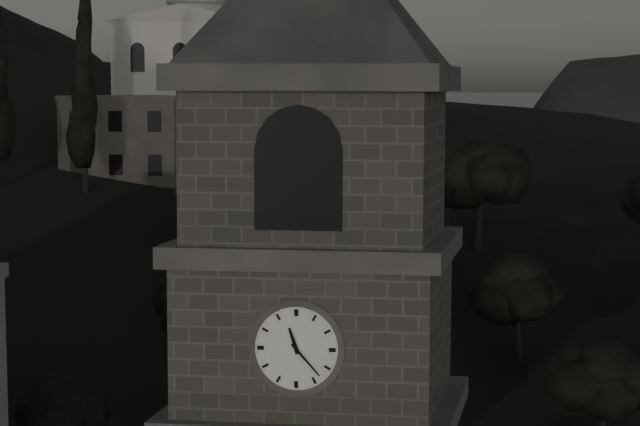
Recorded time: 11:23
